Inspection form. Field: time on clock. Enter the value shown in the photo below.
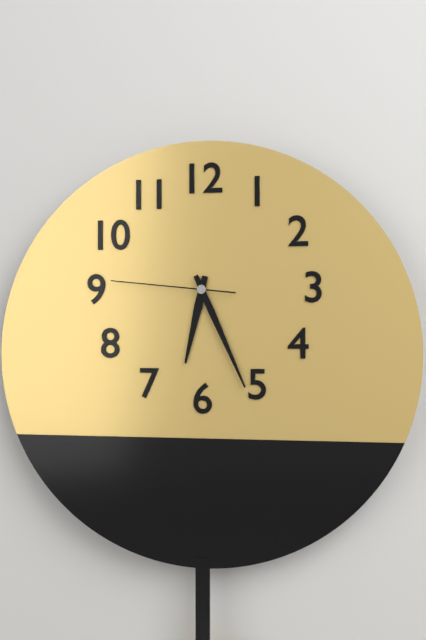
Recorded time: 6:26:46
